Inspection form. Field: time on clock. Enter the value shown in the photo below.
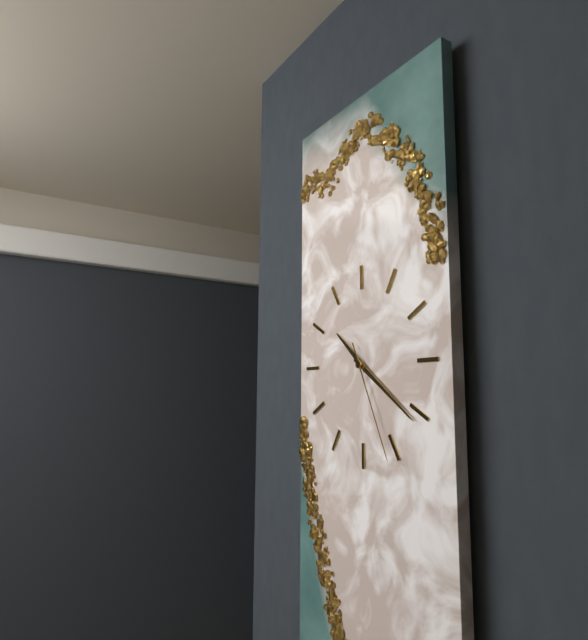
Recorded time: 10:21:26
